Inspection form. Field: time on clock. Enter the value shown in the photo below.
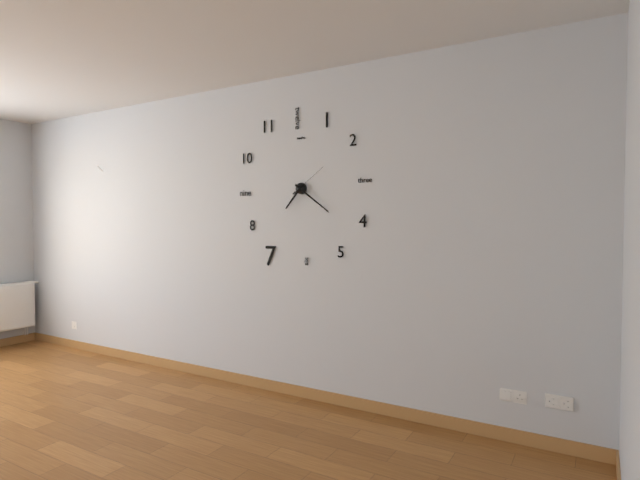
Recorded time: 7:21
